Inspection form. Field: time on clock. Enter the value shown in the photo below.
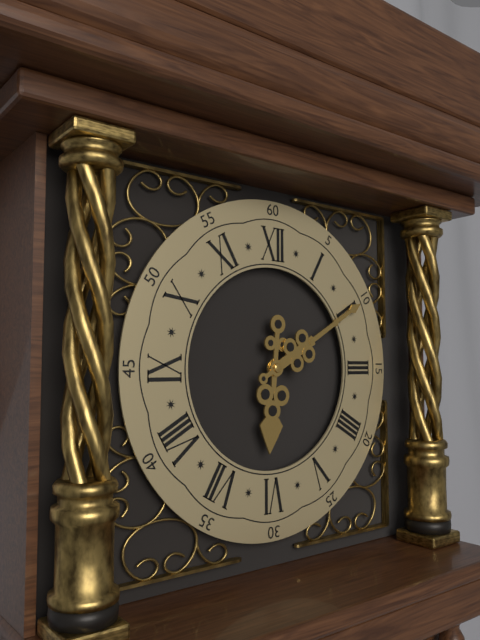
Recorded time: 6:10
